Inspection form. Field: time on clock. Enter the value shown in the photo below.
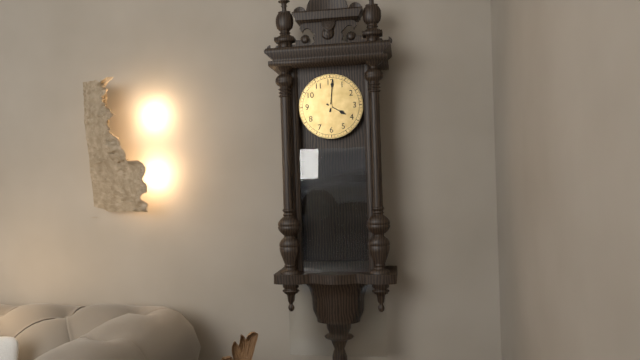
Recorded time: 4:01
